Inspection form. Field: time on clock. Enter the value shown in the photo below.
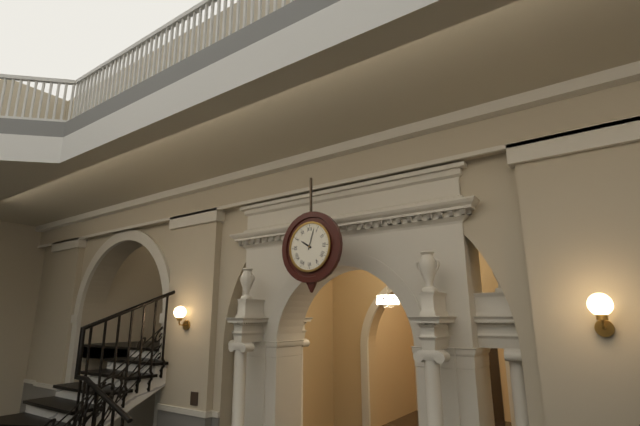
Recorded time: 10:03
